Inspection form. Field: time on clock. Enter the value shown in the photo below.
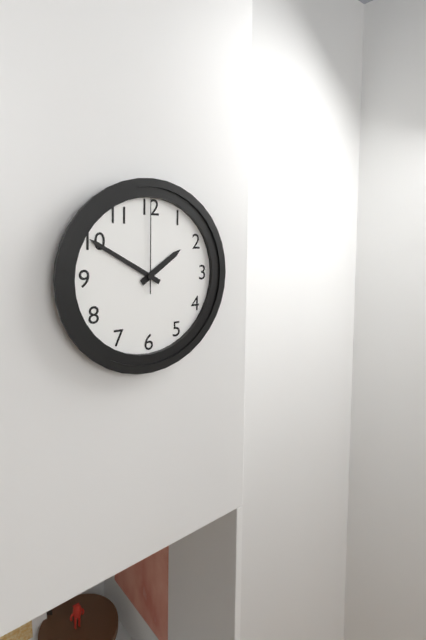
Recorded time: 1:50:00
